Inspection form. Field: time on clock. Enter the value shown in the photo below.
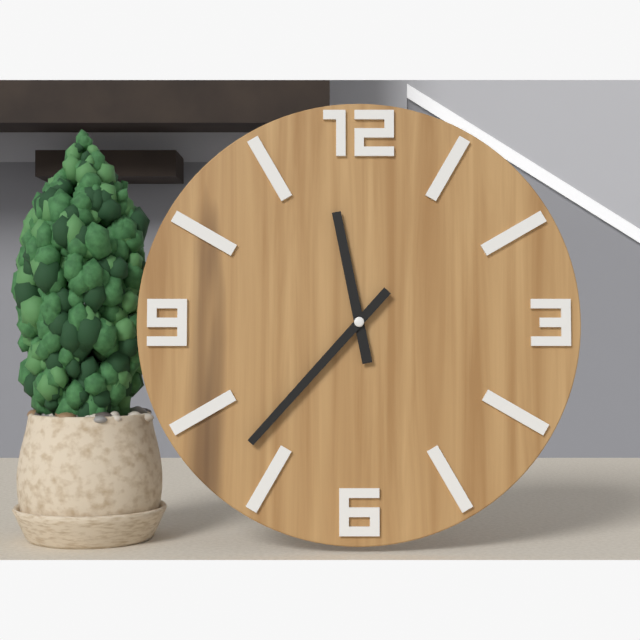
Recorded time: 11:37
